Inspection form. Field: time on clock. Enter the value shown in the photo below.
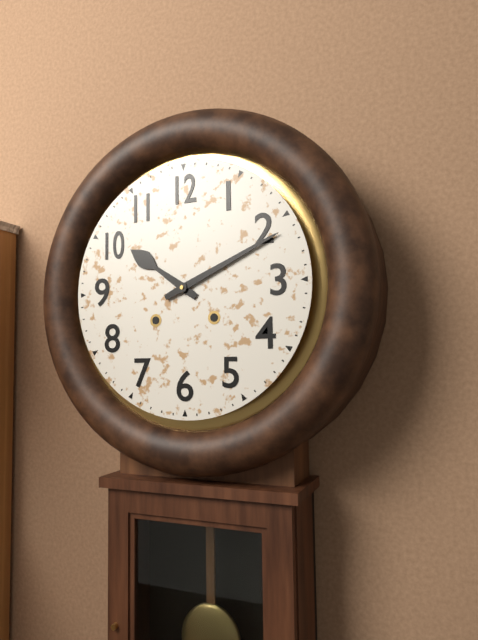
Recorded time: 10:11
